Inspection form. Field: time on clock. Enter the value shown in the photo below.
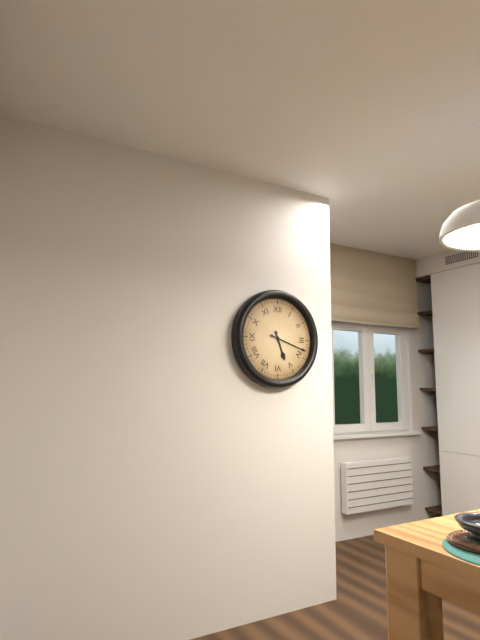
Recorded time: 5:18
